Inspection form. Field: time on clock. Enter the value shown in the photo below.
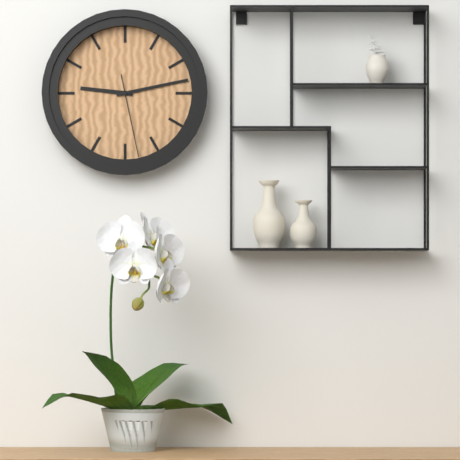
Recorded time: 9:13:28
